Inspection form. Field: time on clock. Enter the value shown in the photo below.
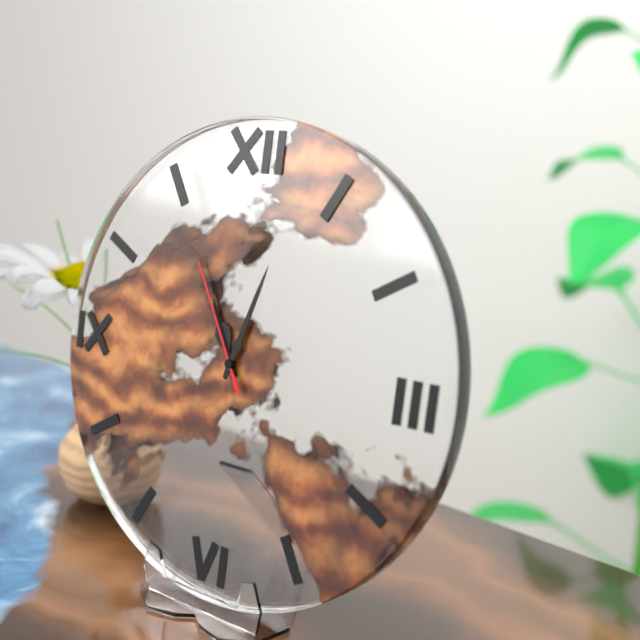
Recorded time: 11:03:55
